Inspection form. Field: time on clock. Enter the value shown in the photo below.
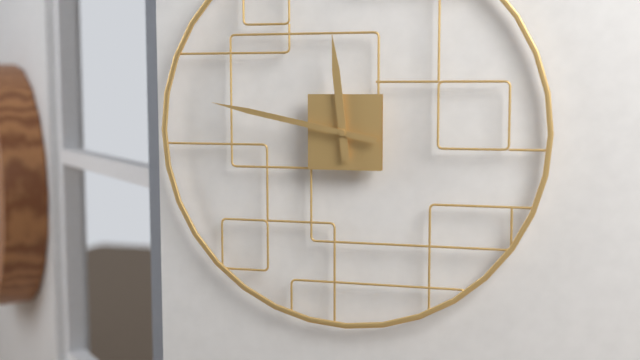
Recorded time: 11:47
